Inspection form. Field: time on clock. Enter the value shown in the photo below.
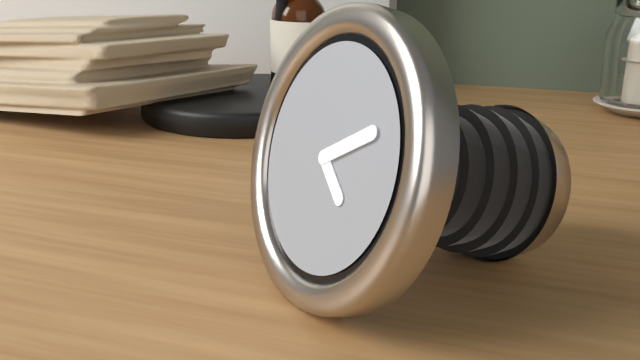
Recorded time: 4:10
